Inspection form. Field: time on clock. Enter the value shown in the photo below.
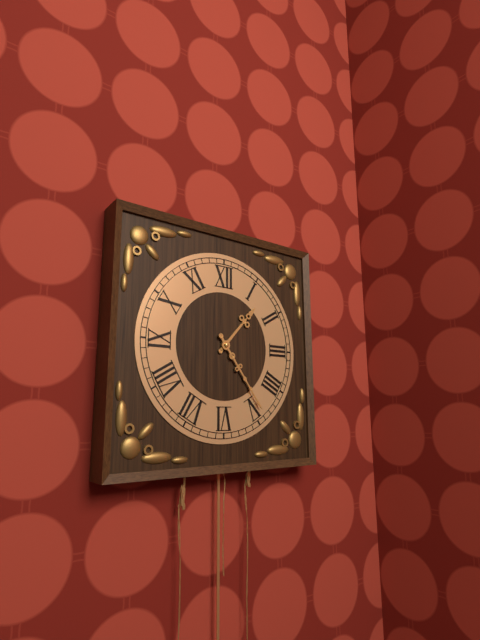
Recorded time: 1:24
